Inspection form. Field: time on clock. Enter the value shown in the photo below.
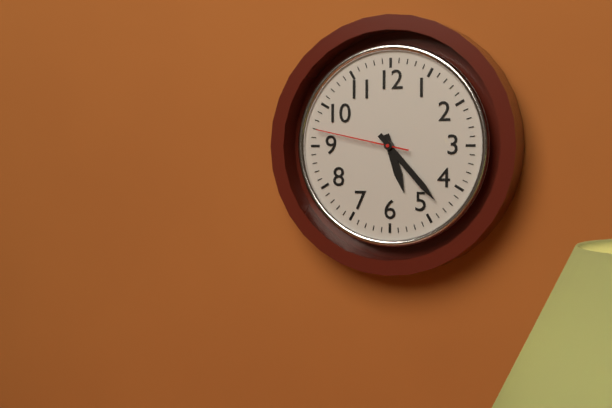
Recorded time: 5:23:47
